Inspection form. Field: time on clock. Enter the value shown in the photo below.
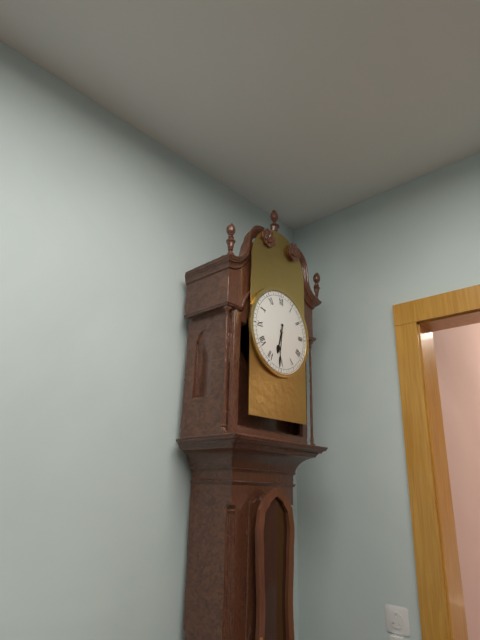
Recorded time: 6:31
